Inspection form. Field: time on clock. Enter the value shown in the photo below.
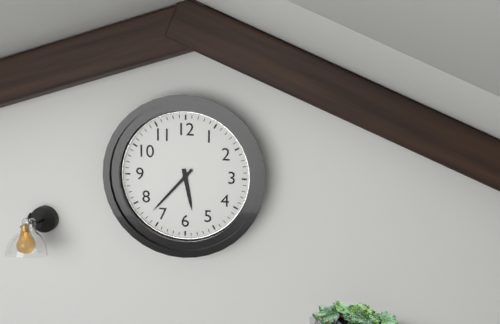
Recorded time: 5:37
